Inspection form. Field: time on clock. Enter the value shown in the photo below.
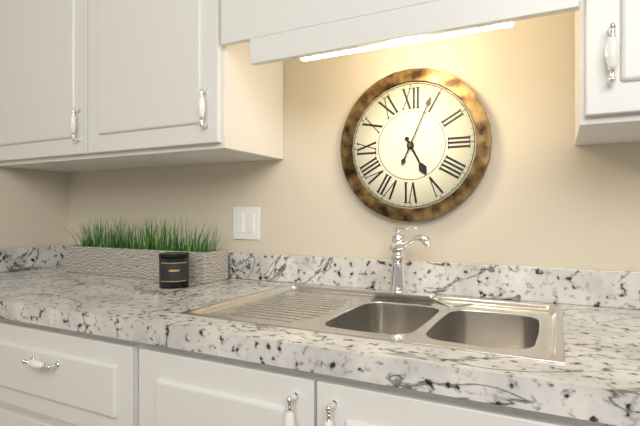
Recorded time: 5:04
